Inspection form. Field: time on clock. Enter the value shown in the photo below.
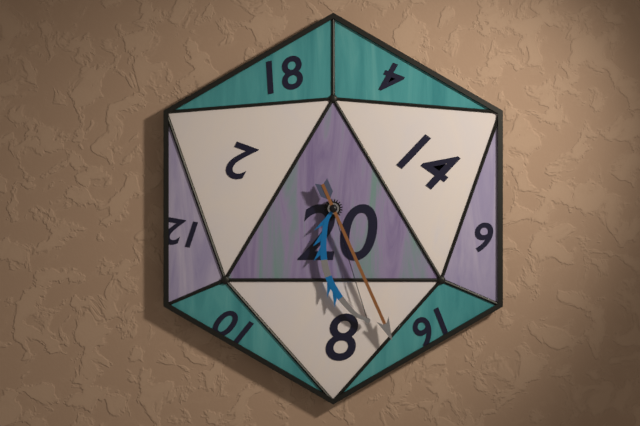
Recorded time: 5:26
